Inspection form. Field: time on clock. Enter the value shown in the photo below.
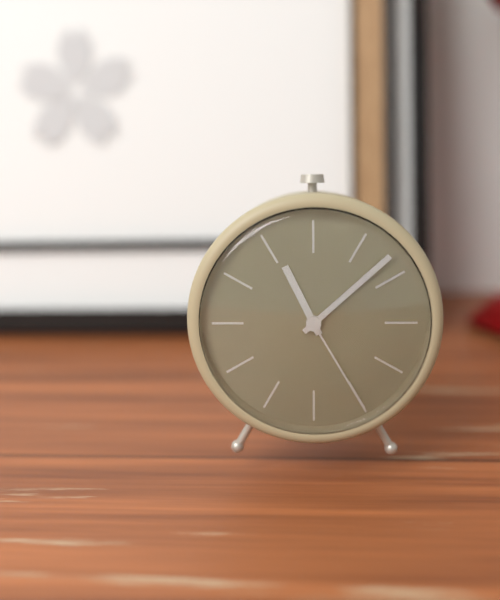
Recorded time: 11:08:25
